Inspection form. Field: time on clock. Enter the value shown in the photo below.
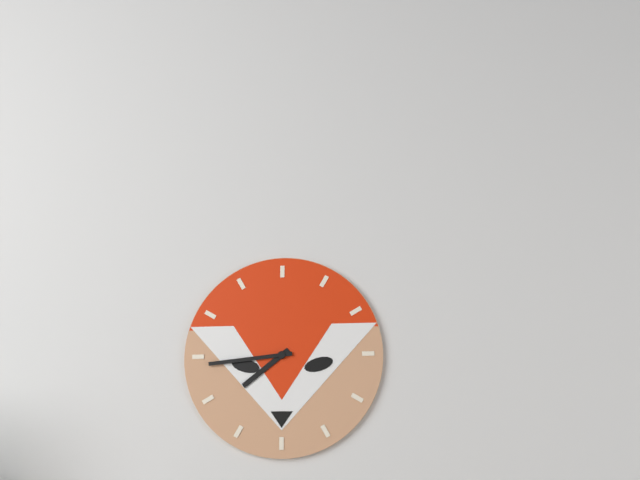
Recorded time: 7:44
